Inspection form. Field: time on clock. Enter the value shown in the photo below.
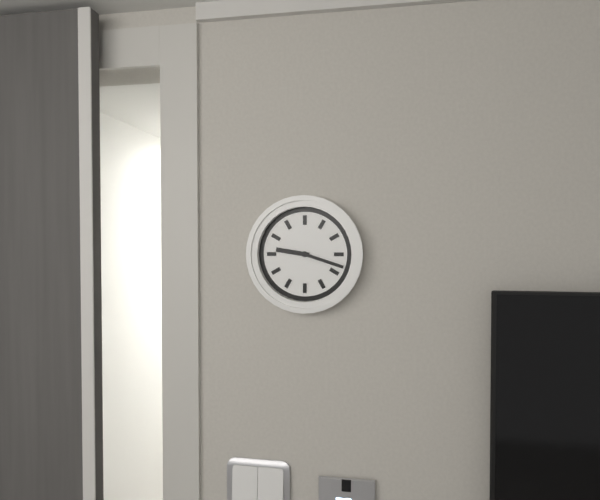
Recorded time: 9:18
